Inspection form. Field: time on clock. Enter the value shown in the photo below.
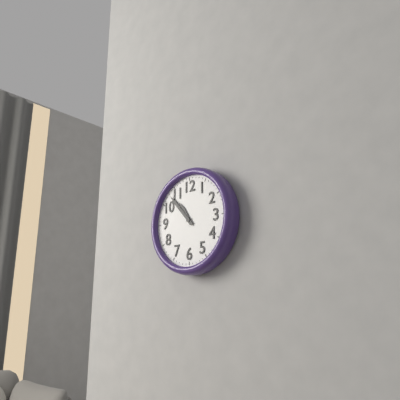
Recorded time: 10:53
